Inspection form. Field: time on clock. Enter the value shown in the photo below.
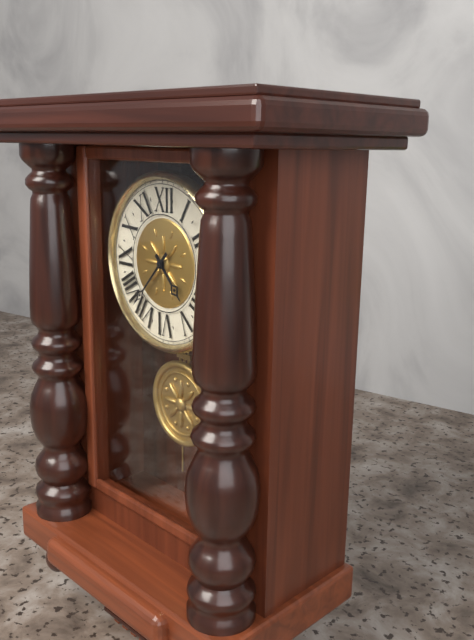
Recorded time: 4:37
